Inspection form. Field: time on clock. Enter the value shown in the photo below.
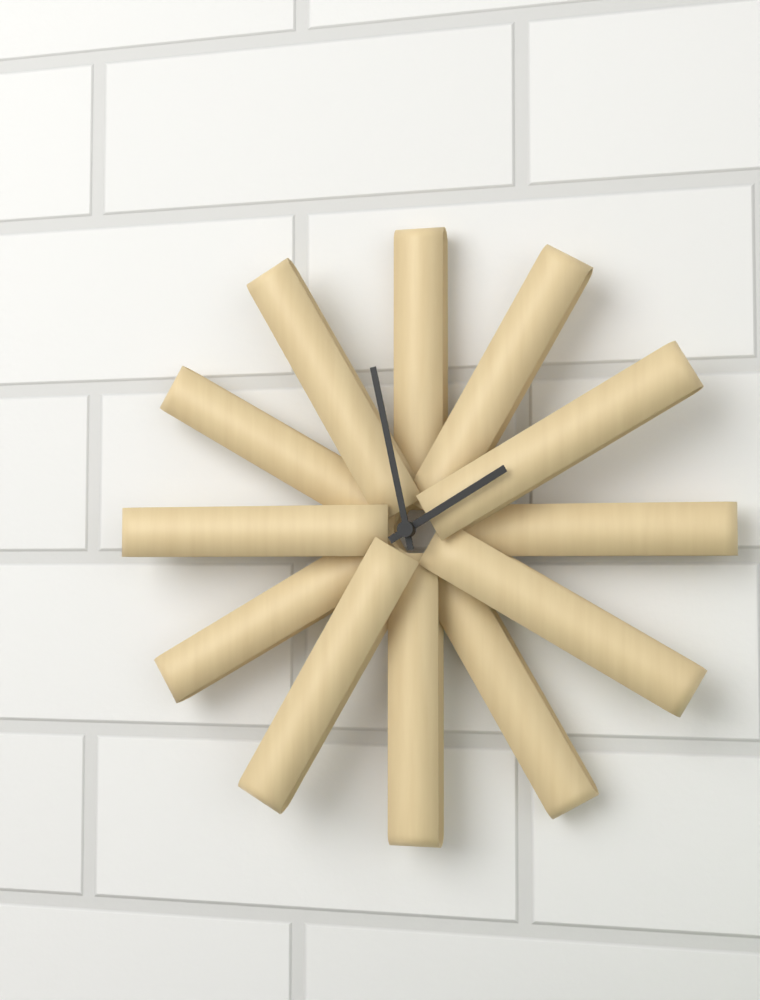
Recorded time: 1:58
